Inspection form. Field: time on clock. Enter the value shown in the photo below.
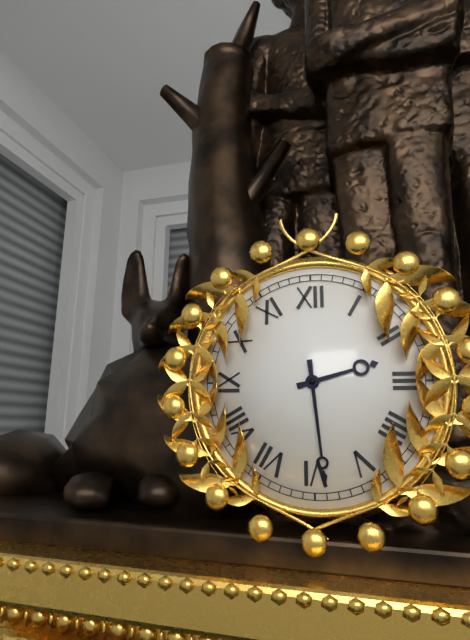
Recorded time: 2:29
